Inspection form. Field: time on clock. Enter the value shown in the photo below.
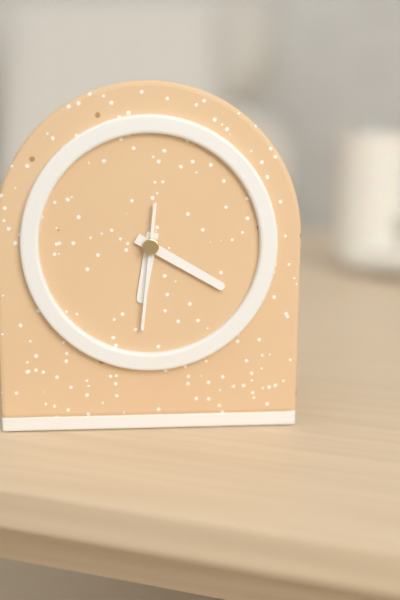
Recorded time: 6:20:31
